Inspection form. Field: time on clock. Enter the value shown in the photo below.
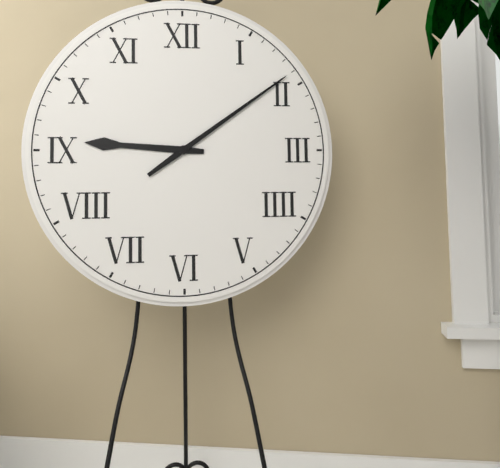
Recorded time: 9:09
